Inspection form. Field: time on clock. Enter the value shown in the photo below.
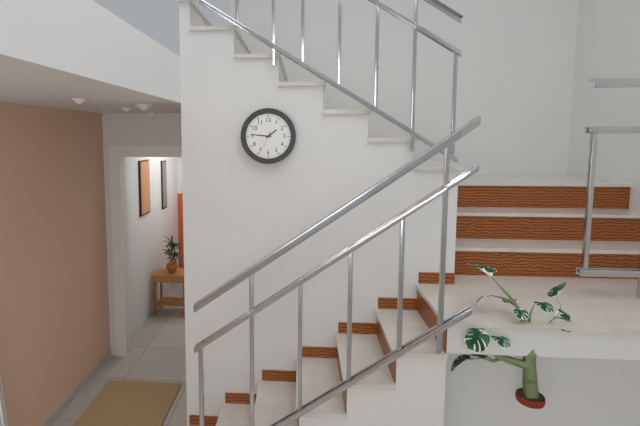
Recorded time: 1:46
